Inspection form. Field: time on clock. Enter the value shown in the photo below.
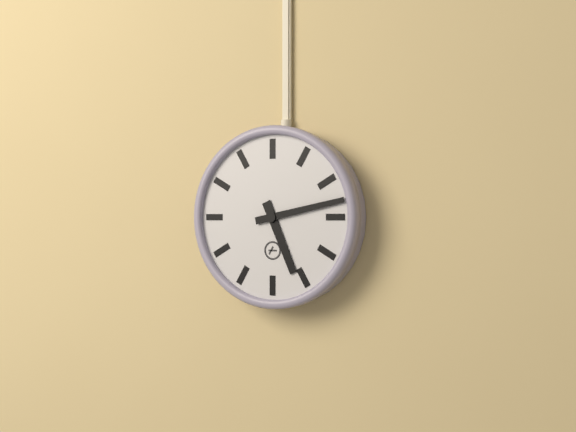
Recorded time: 5:13
